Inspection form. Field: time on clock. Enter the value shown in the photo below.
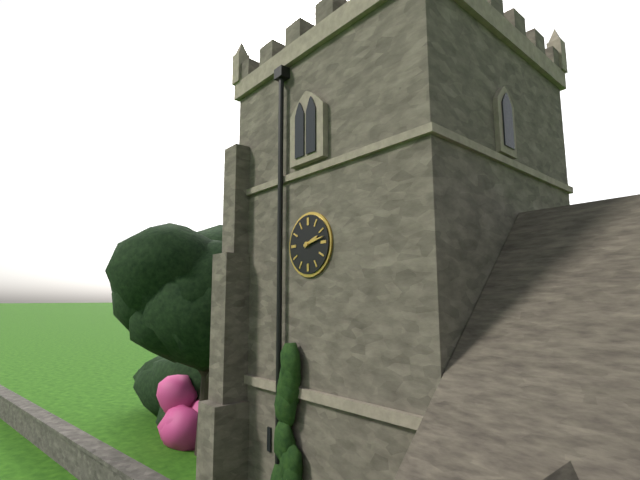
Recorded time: 2:13
